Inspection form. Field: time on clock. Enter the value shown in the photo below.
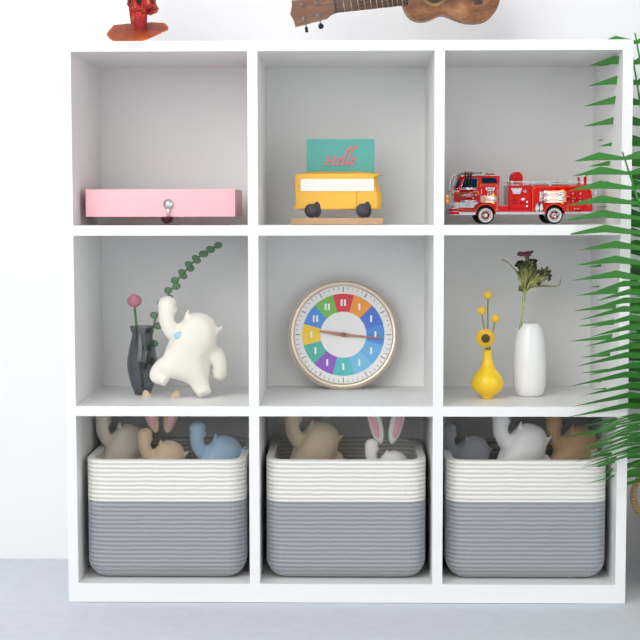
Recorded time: 9:16
